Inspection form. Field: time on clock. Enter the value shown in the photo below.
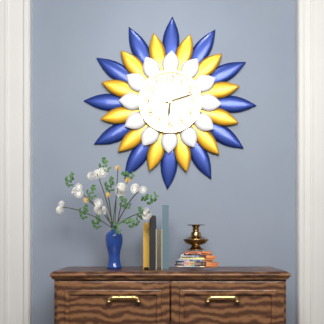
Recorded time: 6:12
